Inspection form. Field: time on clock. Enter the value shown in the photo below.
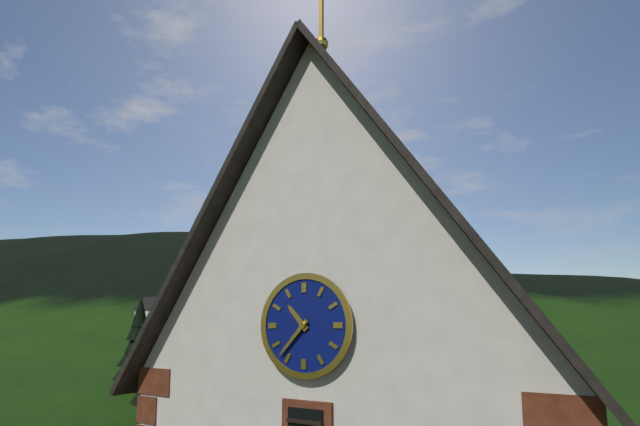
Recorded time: 10:37
